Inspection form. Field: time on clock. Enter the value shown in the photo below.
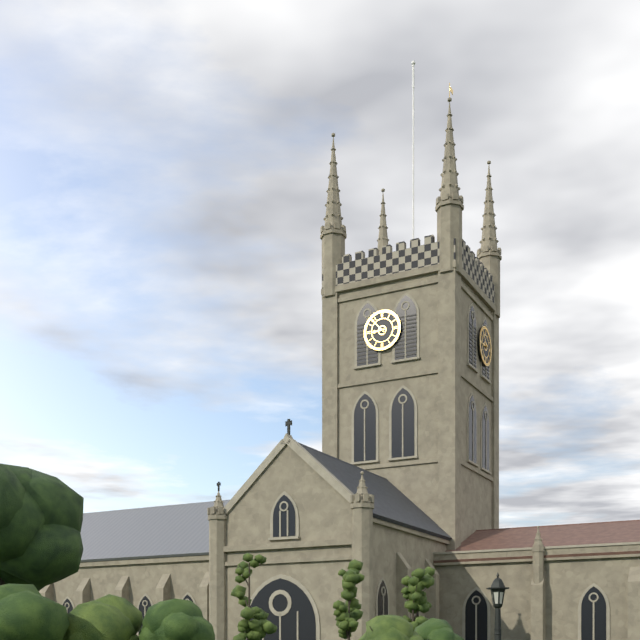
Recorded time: 8:53
